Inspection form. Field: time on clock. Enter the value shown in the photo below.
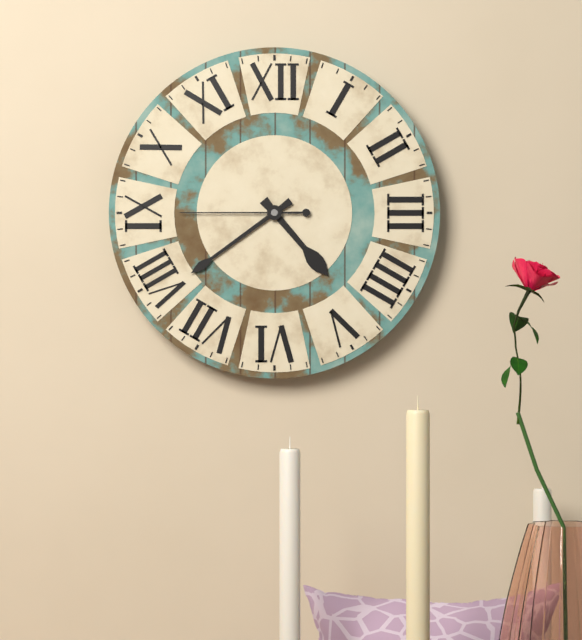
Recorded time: 4:39:45
